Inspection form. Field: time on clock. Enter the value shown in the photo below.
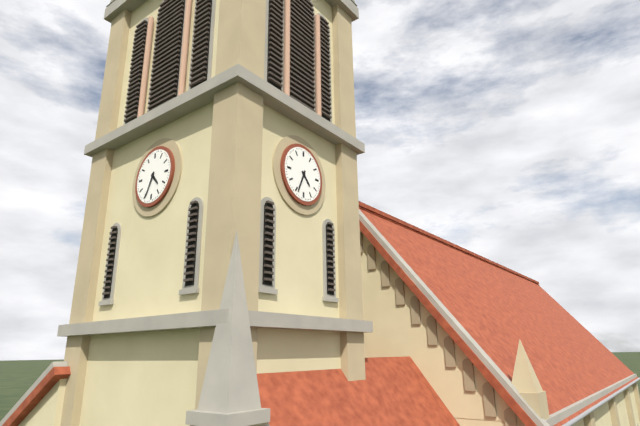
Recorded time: 4:34
